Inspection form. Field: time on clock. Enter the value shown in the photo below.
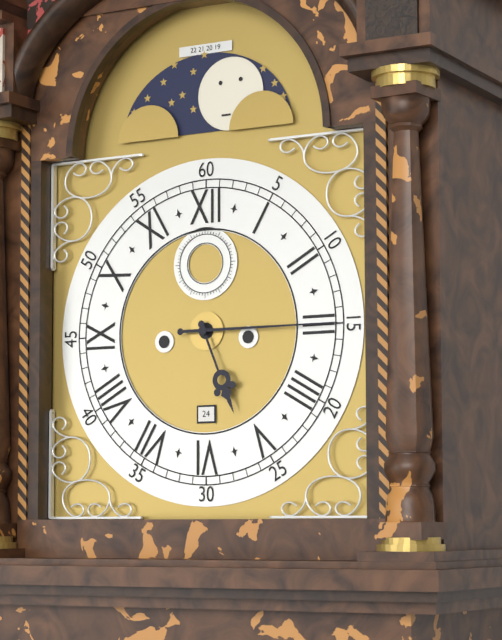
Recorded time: 5:15
